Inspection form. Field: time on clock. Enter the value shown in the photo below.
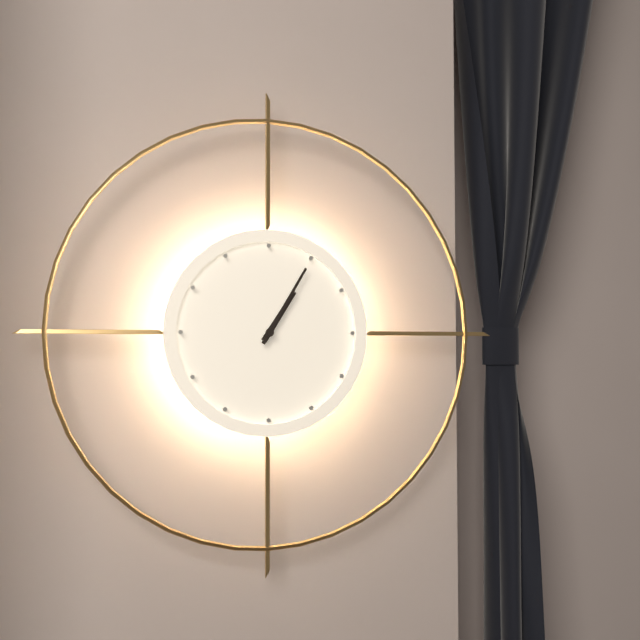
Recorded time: 1:05
